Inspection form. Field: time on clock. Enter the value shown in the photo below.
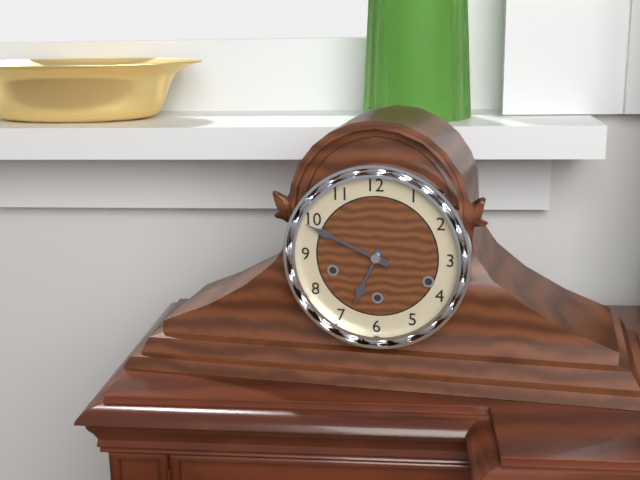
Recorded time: 6:49
